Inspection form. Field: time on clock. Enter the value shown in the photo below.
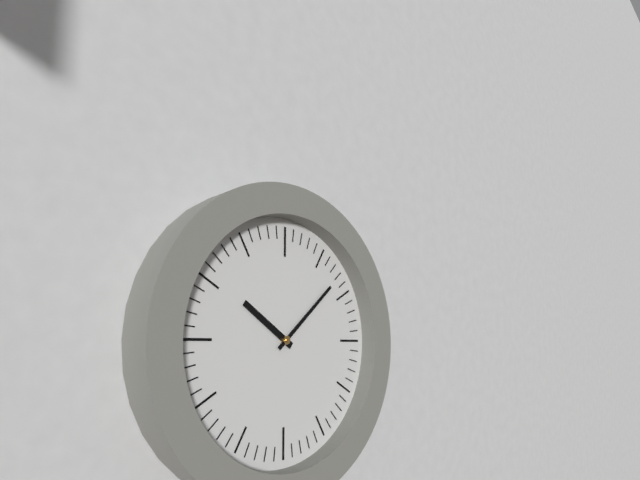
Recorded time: 10:08
